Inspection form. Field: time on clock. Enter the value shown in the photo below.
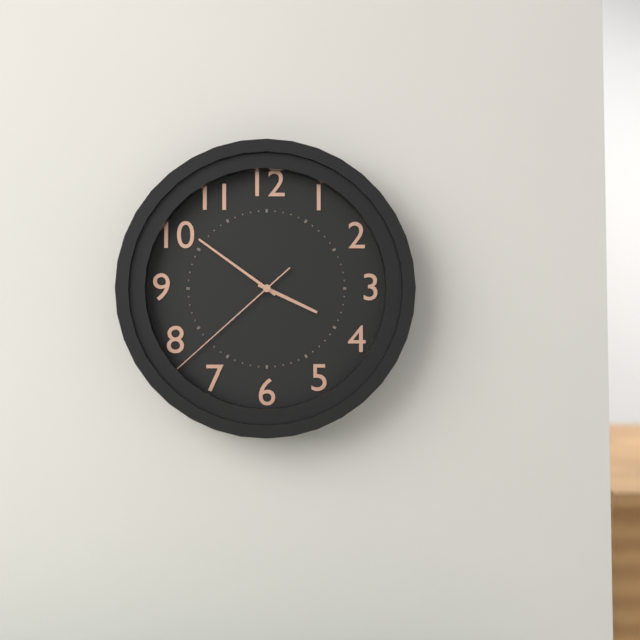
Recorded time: 3:51:38
